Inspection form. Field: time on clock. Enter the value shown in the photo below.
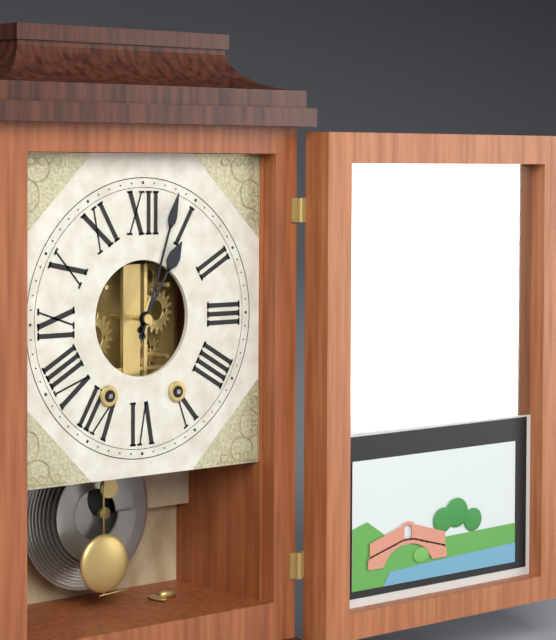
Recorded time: 1:03
